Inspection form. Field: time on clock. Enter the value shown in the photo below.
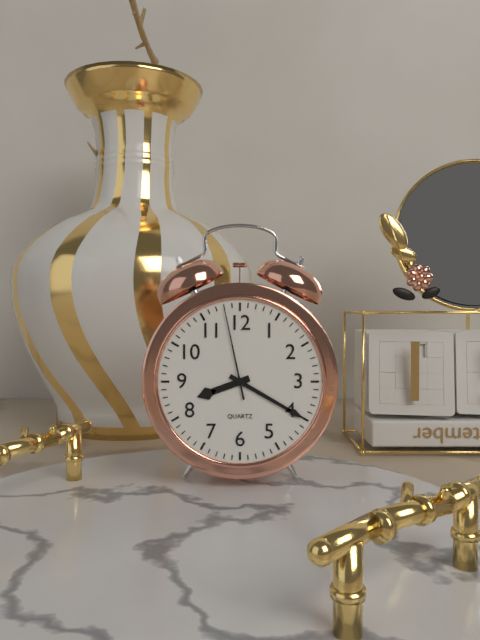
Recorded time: 8:20:58
